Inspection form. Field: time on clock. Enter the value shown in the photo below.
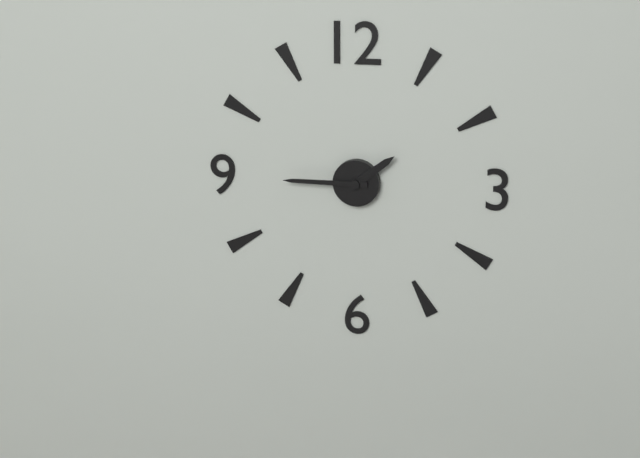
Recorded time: 1:45
